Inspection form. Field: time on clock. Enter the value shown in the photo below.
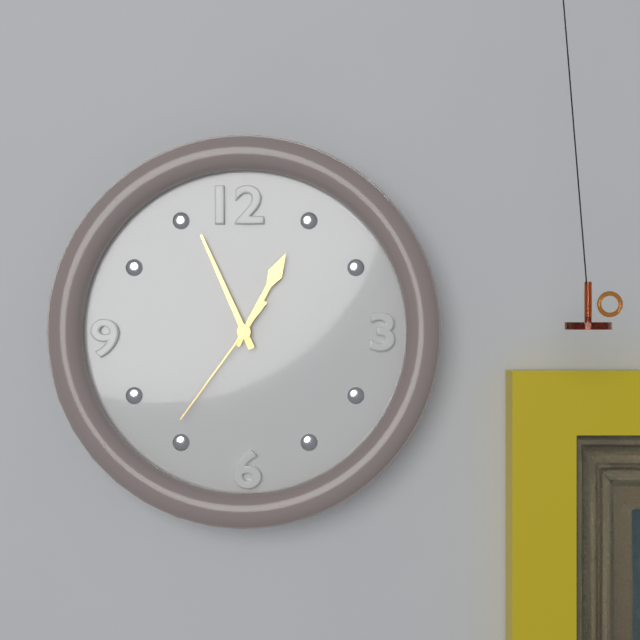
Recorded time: 12:56:36
